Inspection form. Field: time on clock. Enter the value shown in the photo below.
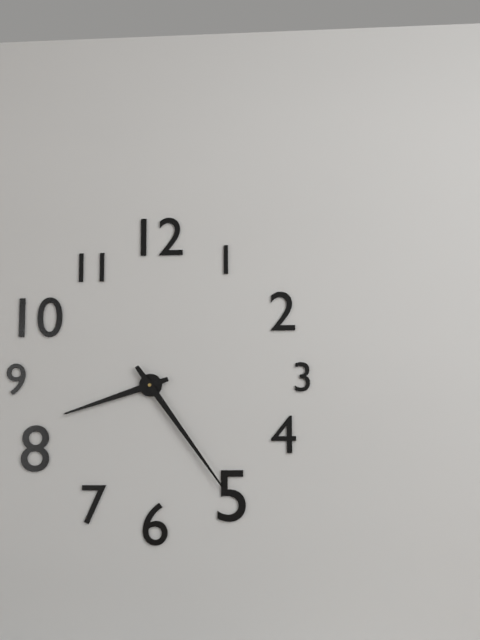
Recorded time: 8:24
